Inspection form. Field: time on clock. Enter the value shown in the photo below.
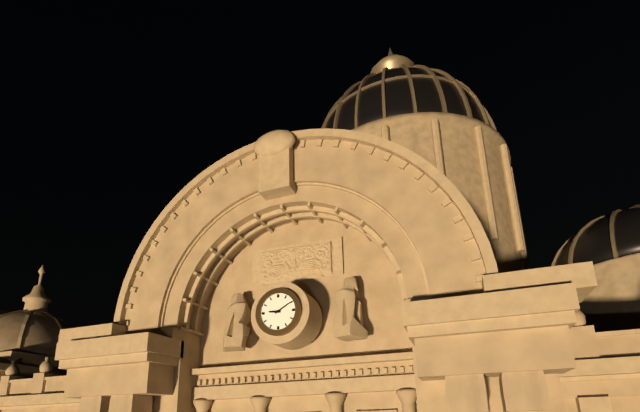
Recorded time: 9:10
